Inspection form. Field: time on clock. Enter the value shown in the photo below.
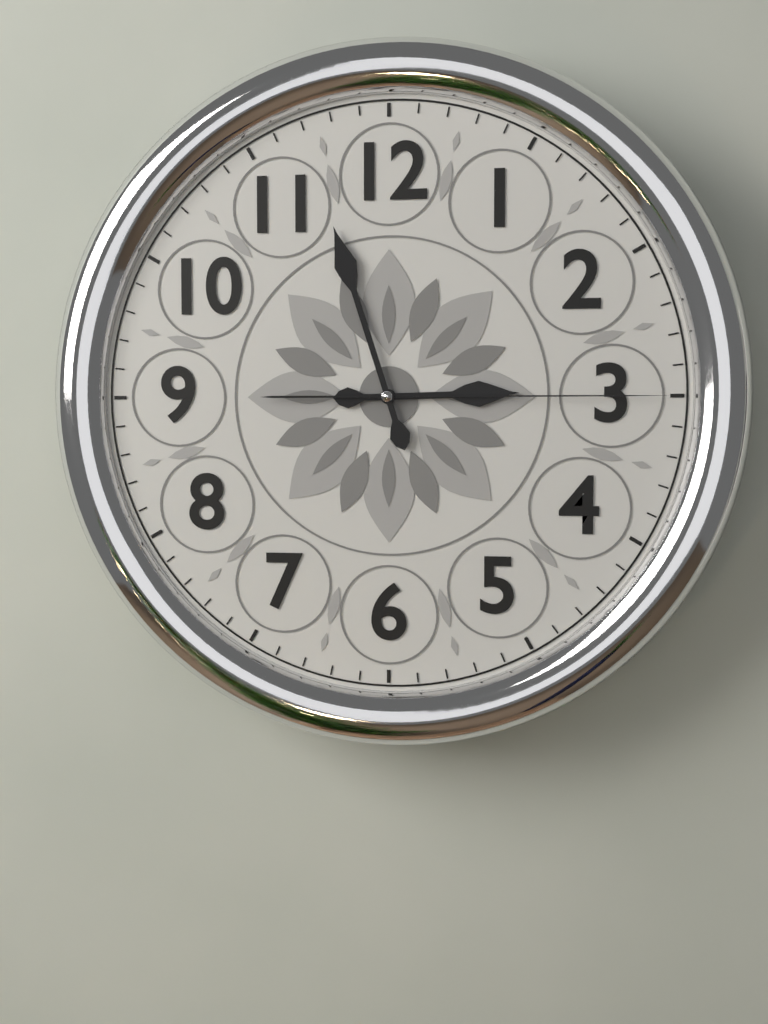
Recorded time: 2:57:15
